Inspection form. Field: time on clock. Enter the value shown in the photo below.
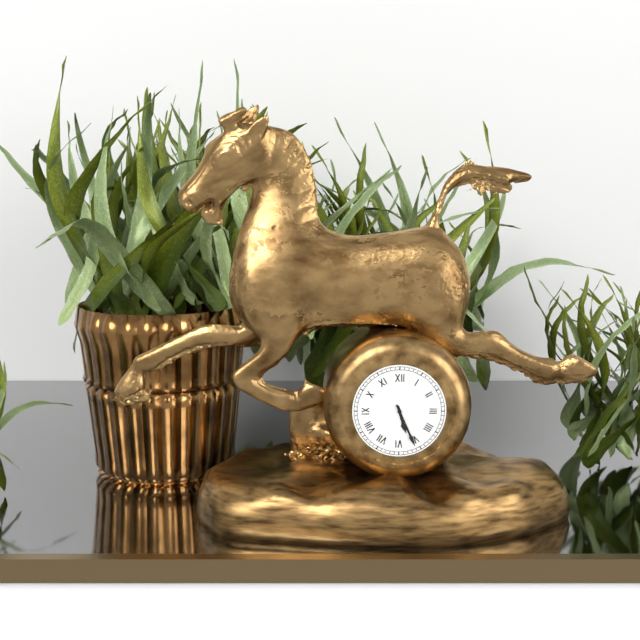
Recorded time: 5:26
